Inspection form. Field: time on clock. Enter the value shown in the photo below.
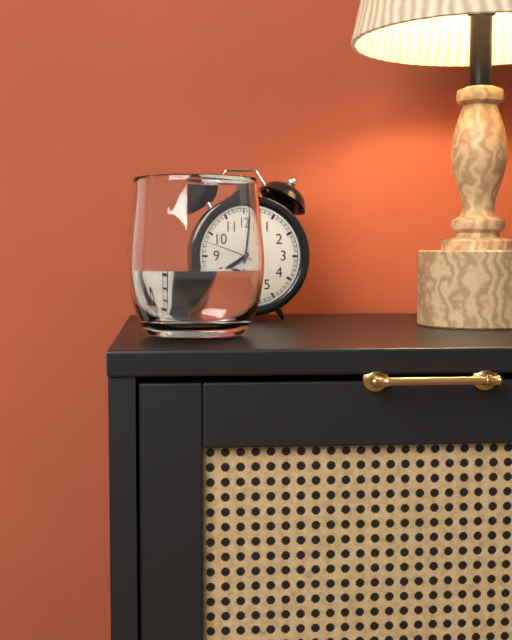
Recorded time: 8:02:48
